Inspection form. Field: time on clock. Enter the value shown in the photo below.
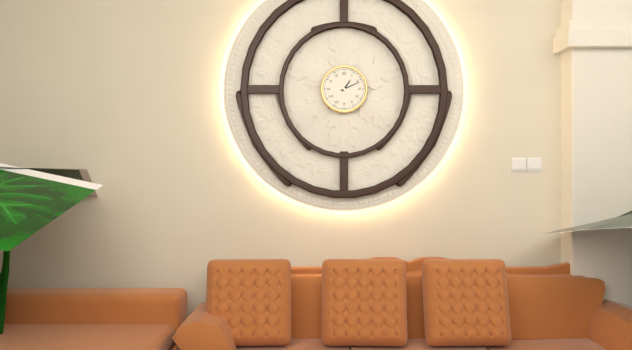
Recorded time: 1:11
